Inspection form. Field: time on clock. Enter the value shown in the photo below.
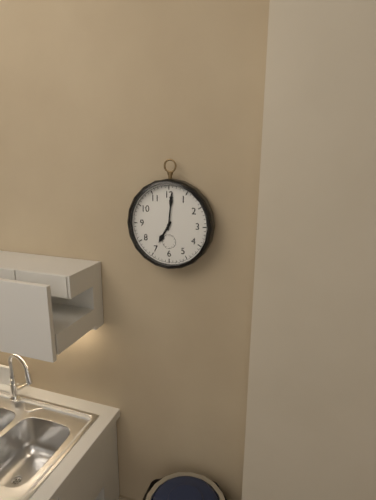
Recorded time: 7:01
